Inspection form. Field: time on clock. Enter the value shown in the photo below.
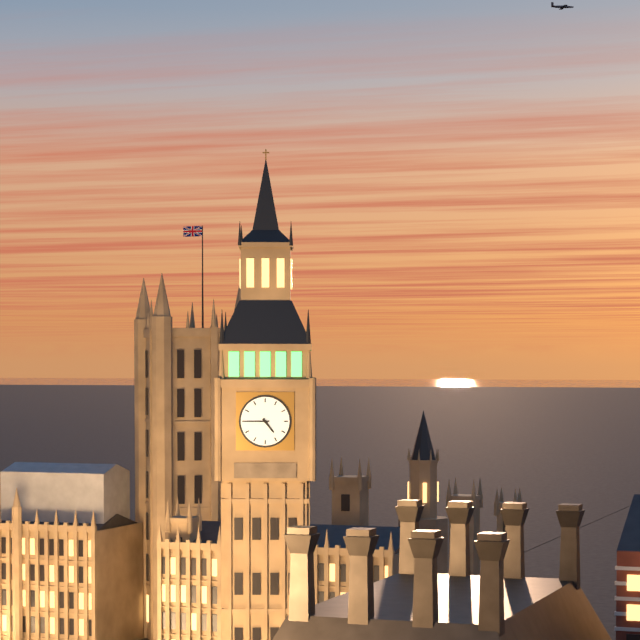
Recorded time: 4:45
